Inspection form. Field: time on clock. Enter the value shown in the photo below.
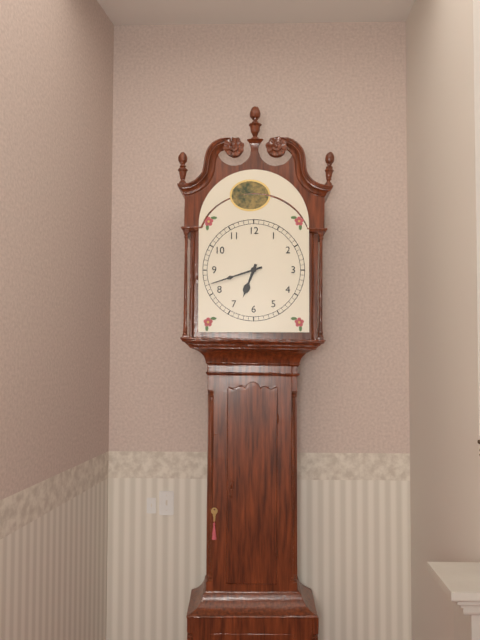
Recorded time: 6:42
